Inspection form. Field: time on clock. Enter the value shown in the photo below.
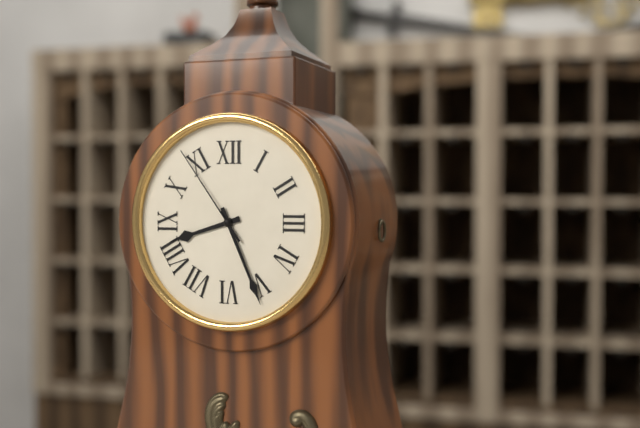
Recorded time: 8:26:54
